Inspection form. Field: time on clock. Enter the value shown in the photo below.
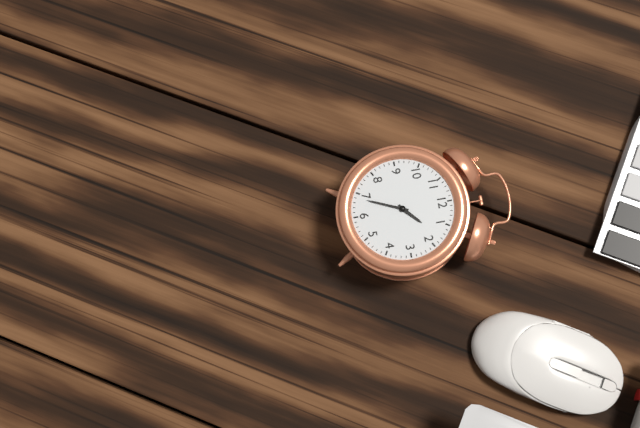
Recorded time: 1:34
